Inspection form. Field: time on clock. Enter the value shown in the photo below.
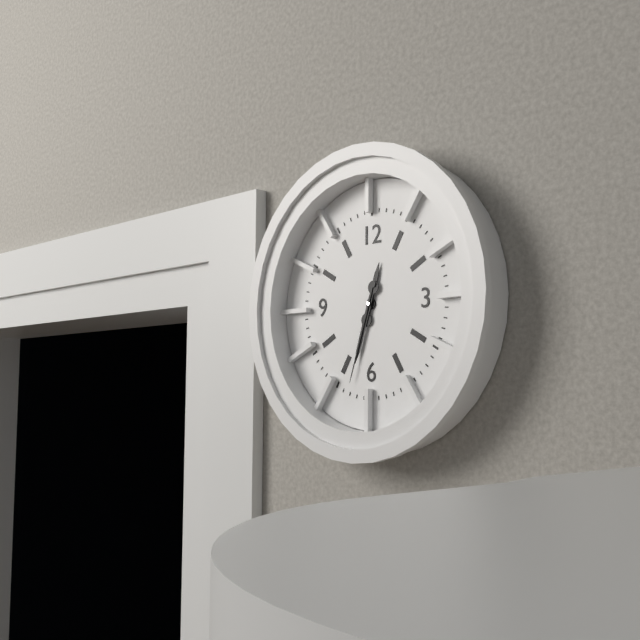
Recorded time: 12:33:33
